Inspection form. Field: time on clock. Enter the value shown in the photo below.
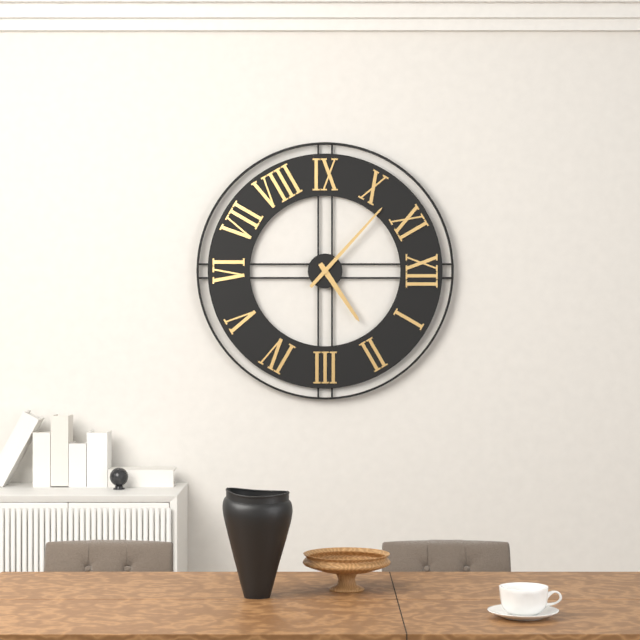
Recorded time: 1:52
